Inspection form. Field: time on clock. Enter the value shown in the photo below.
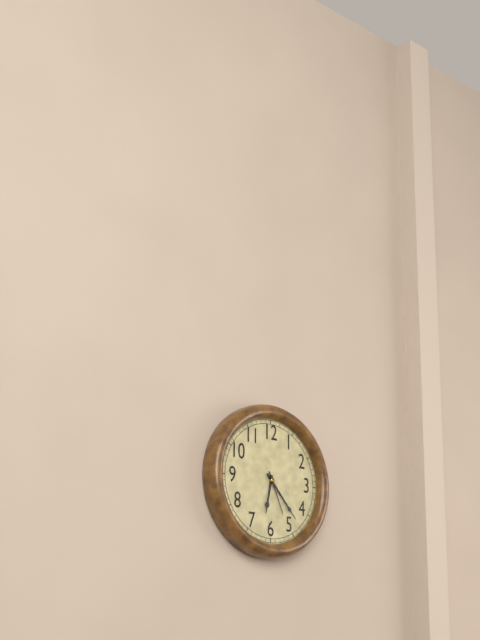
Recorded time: 6:23
